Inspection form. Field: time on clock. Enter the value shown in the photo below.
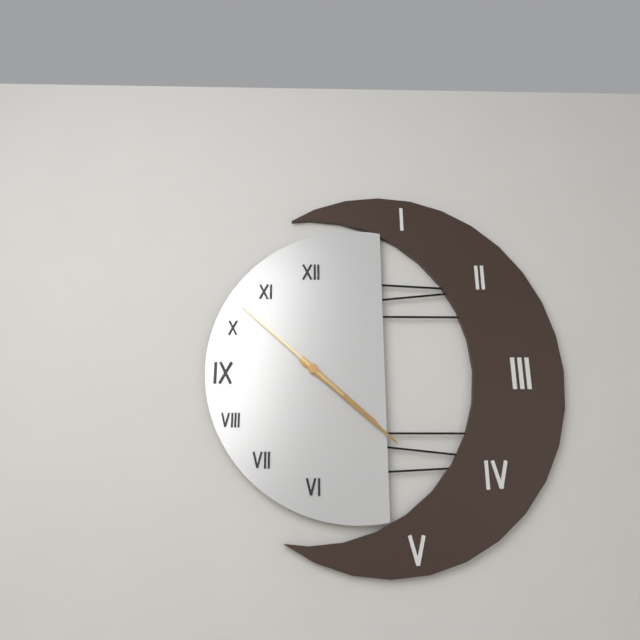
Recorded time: 4:22:52
